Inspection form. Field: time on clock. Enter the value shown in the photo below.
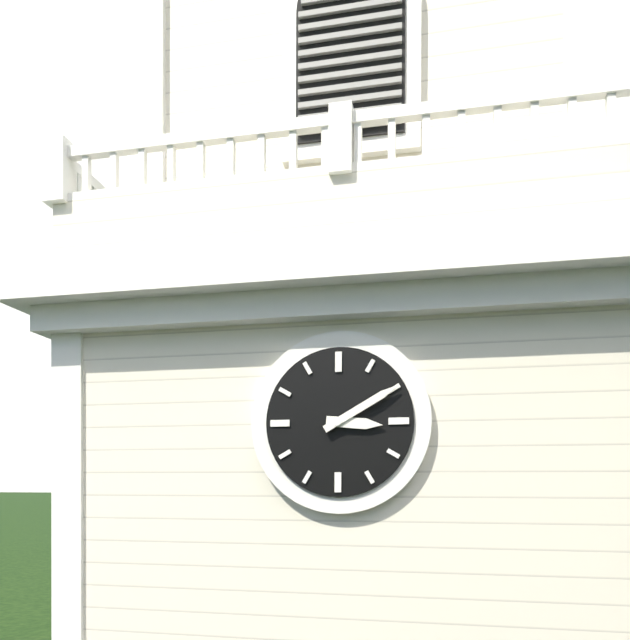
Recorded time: 3:10
